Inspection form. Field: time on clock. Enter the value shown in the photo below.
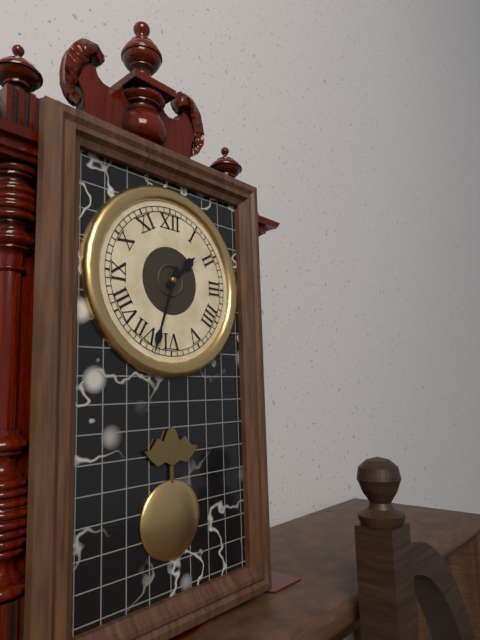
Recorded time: 1:33
